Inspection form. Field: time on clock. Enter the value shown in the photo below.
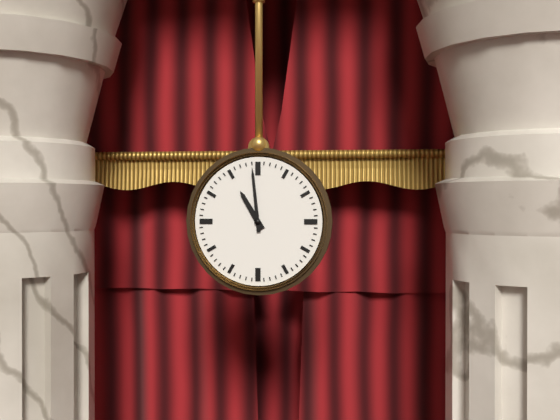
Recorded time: 10:59
